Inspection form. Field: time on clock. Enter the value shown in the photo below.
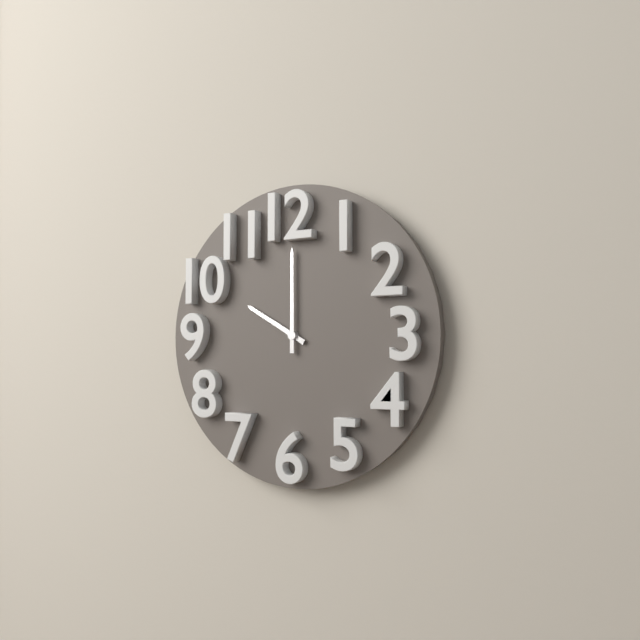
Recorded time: 10:00
